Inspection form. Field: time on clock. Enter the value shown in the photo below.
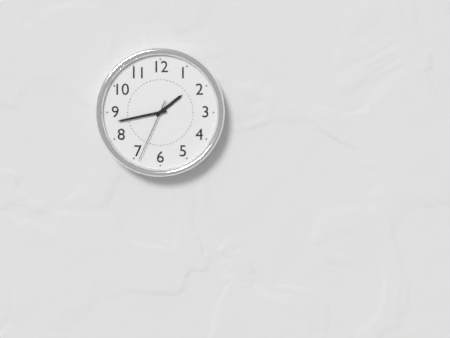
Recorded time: 1:43:34
